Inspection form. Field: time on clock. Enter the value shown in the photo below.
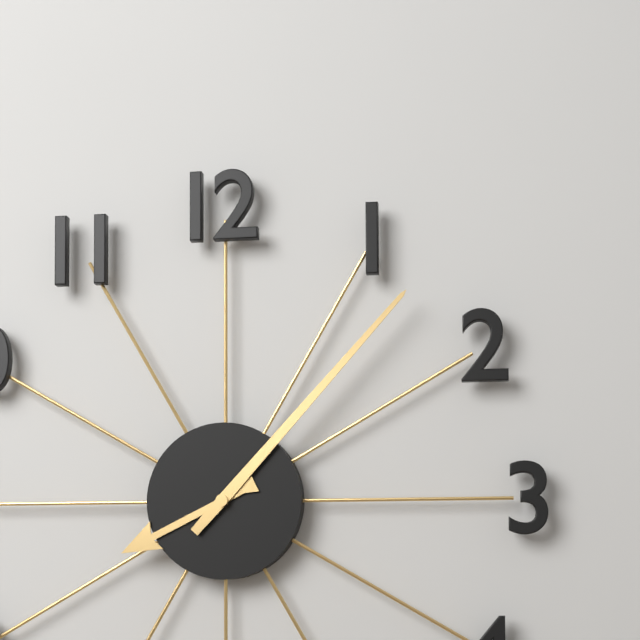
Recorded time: 8:07
